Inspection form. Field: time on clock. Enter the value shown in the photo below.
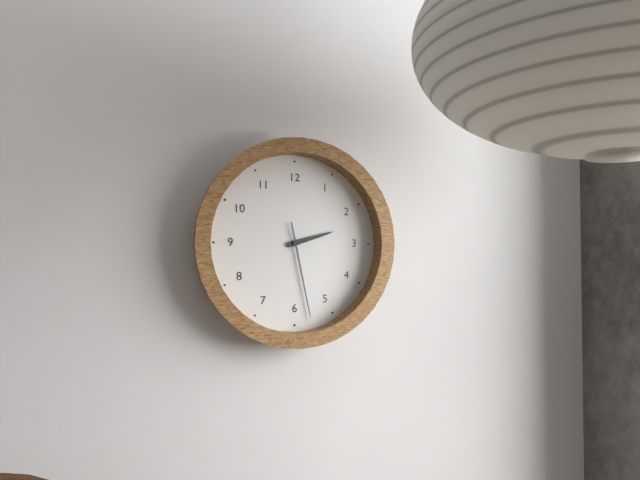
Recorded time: 2:28
